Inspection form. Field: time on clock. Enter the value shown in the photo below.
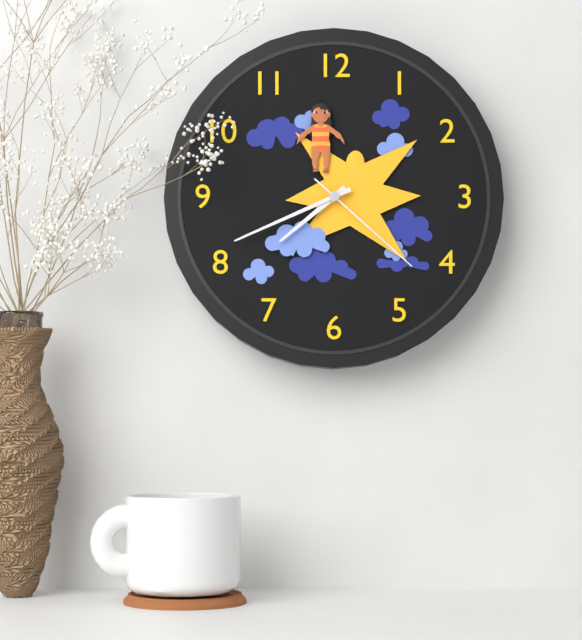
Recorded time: 7:41:22
